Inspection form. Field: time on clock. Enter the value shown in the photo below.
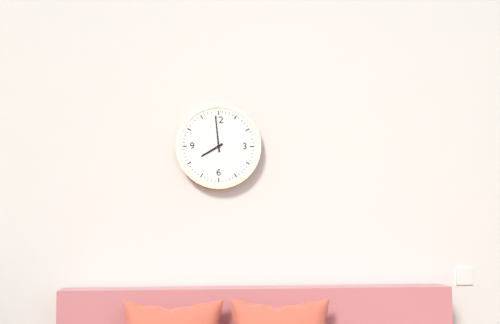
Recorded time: 7:59
